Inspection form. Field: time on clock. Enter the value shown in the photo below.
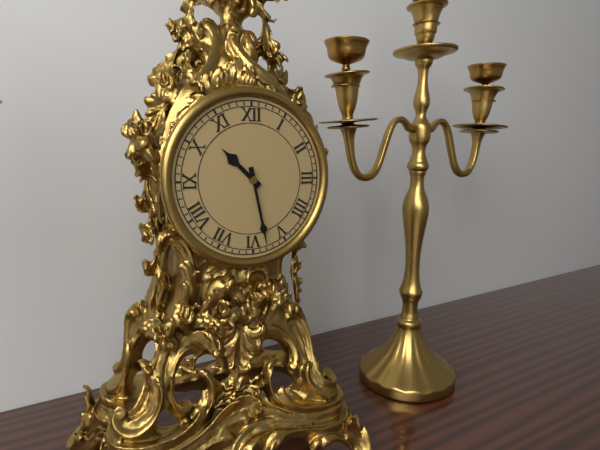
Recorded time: 10:28
